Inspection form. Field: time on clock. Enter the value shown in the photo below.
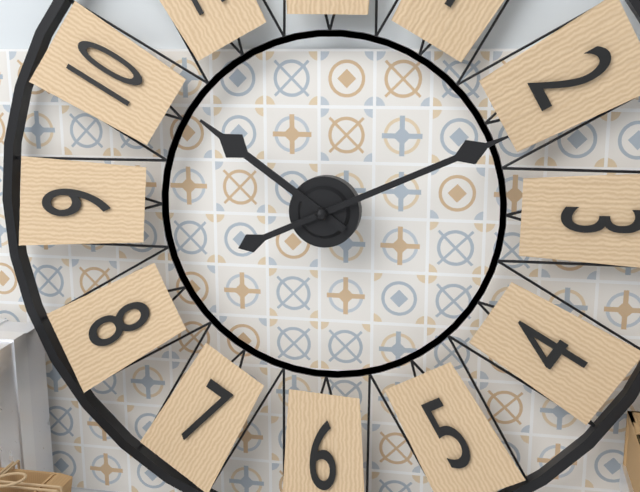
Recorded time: 10:11
